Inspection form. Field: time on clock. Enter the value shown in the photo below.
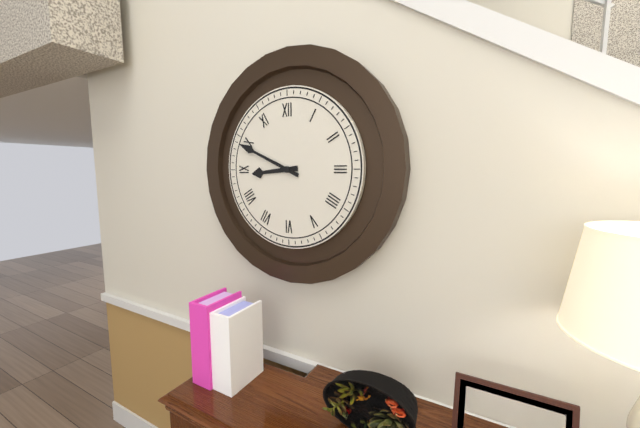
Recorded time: 8:49
